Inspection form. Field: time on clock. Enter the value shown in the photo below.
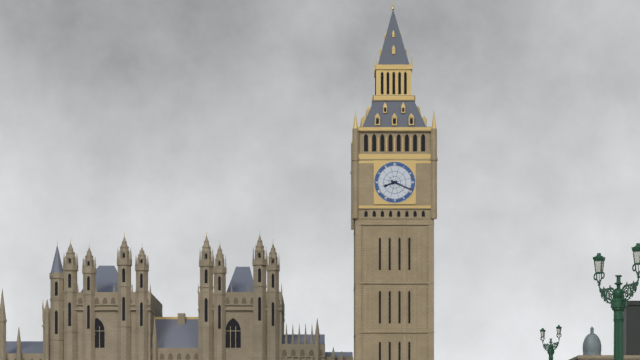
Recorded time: 8:19
